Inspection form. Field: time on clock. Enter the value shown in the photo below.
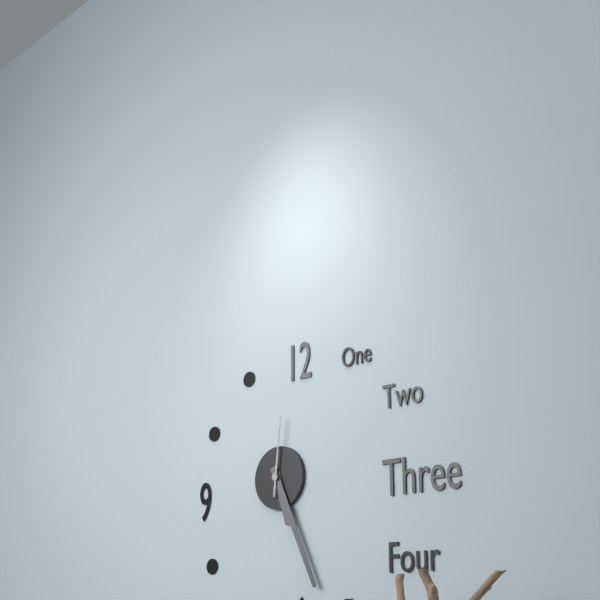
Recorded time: 5:26:01
